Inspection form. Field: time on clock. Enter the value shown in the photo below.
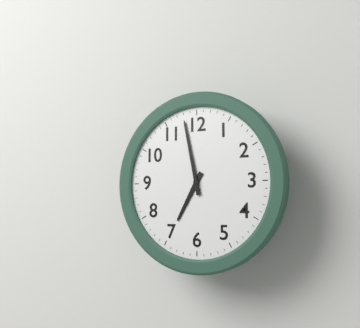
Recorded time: 6:58
